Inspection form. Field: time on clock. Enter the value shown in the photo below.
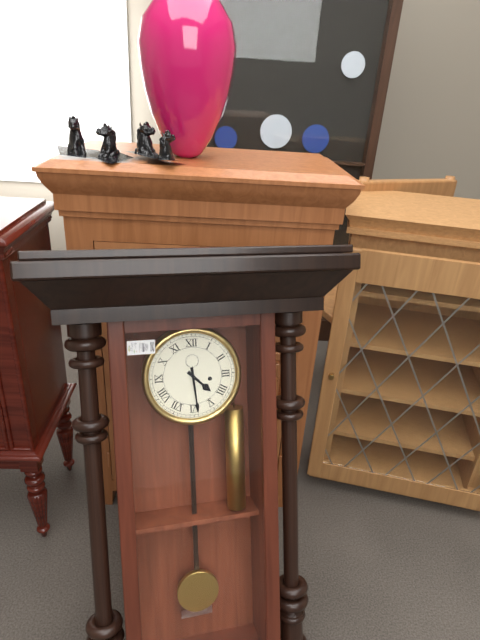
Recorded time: 4:29
